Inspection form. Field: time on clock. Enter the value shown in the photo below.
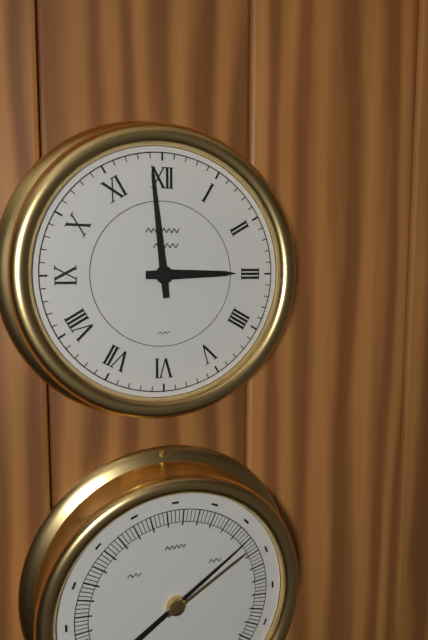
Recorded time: 2:59
